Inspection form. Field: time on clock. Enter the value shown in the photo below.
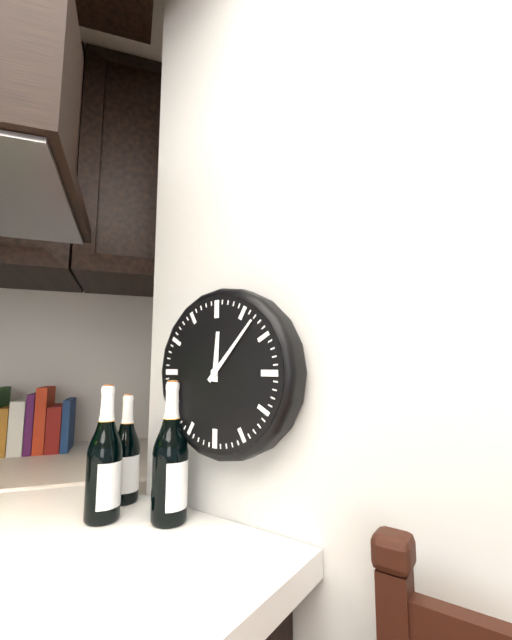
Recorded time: 12:07
